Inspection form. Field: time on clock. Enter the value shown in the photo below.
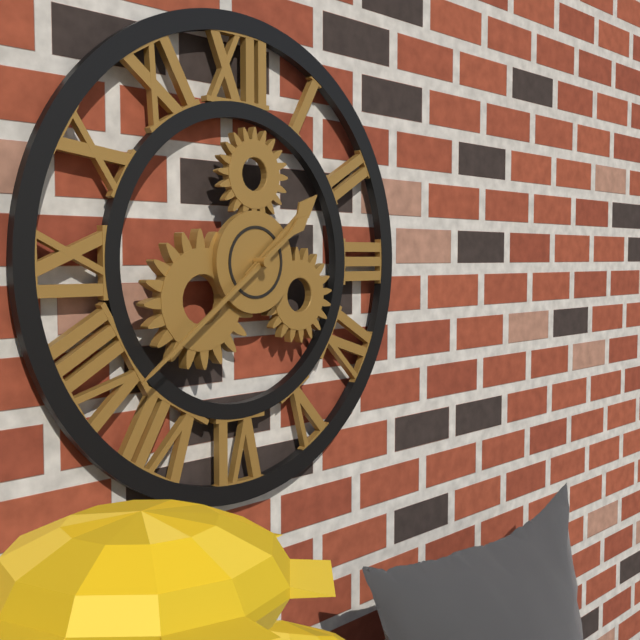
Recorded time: 1:39
